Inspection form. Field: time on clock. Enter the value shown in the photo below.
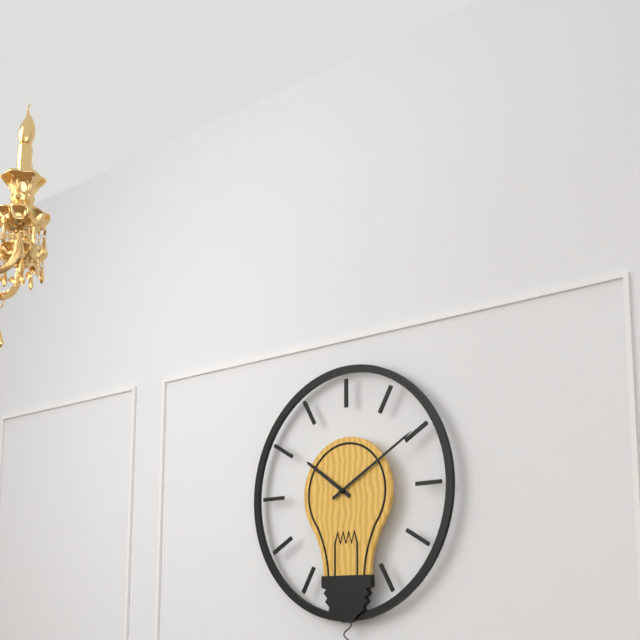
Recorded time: 10:10
